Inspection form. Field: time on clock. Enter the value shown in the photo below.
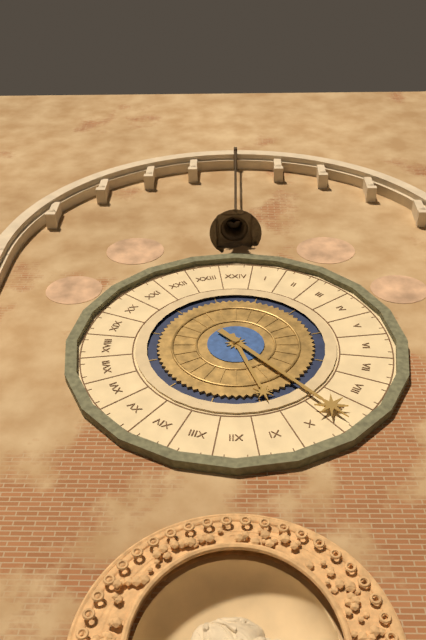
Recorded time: 5:23
